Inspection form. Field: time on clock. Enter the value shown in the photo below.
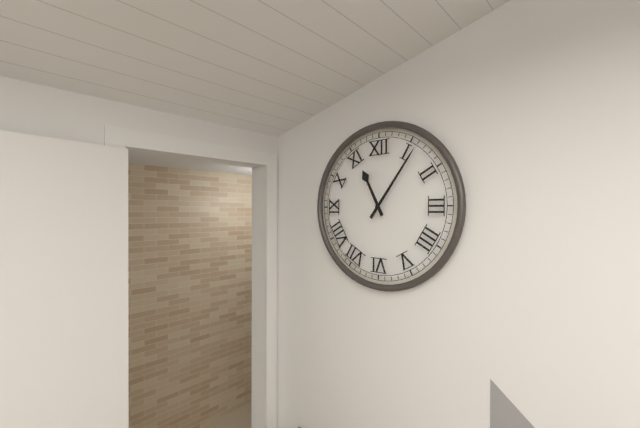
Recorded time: 11:06
